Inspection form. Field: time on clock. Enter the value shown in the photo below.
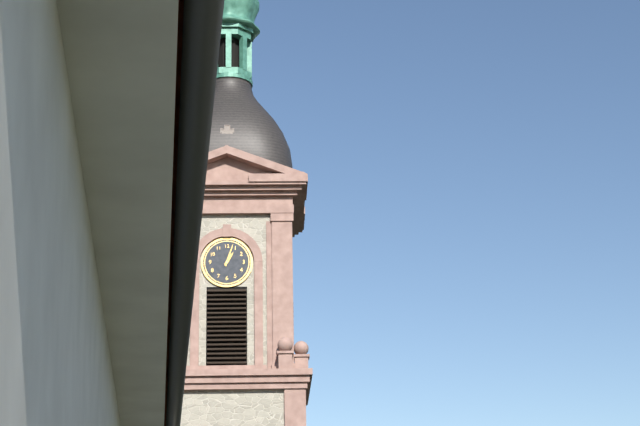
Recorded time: 1:03
